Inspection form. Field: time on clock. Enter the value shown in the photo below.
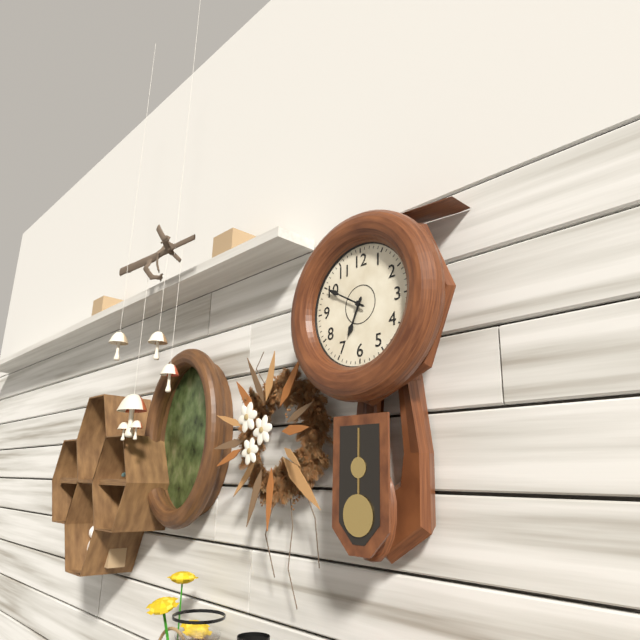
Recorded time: 6:50
